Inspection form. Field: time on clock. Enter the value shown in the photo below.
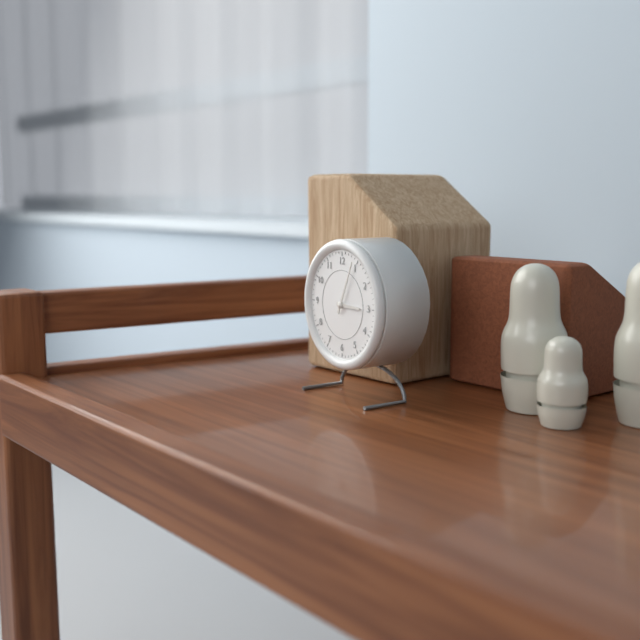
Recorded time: 3:04
